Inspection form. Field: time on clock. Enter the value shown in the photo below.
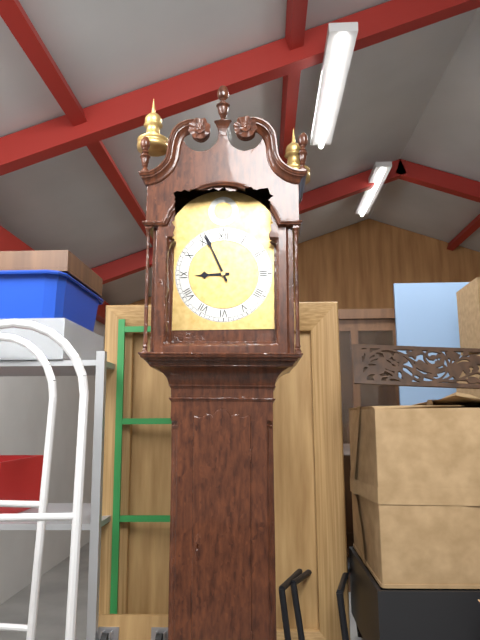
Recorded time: 8:56
